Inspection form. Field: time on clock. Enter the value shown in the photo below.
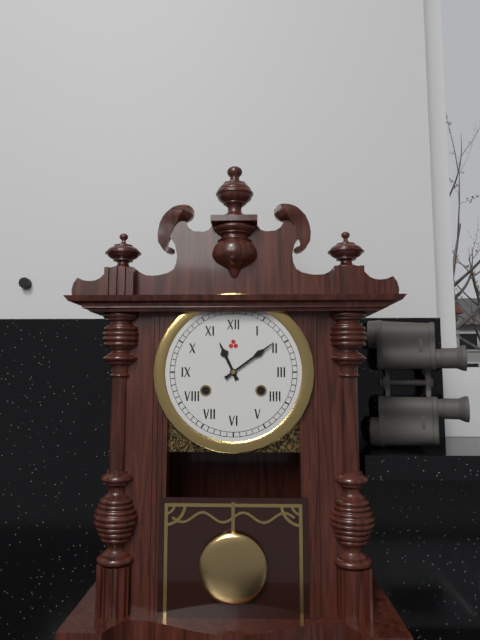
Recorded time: 11:09
